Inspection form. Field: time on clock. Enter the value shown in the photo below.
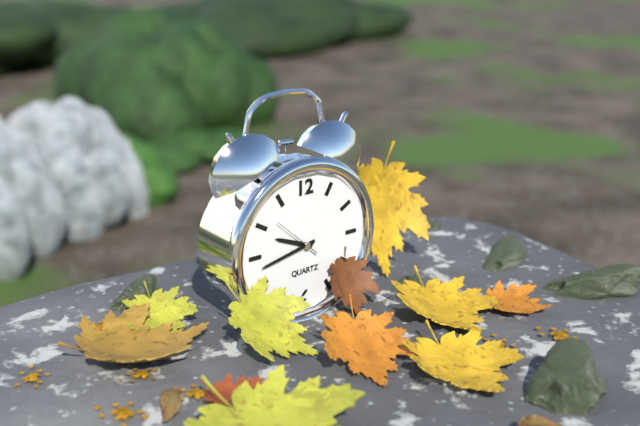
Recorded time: 9:43
